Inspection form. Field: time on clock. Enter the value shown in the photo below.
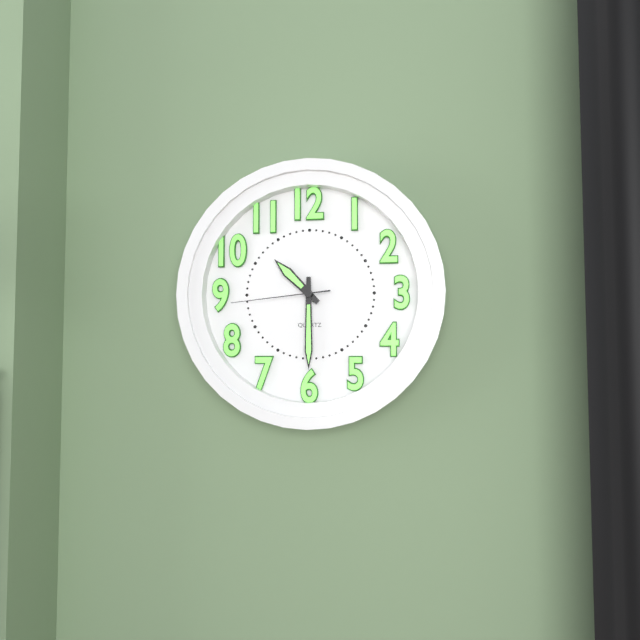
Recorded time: 10:30:44
